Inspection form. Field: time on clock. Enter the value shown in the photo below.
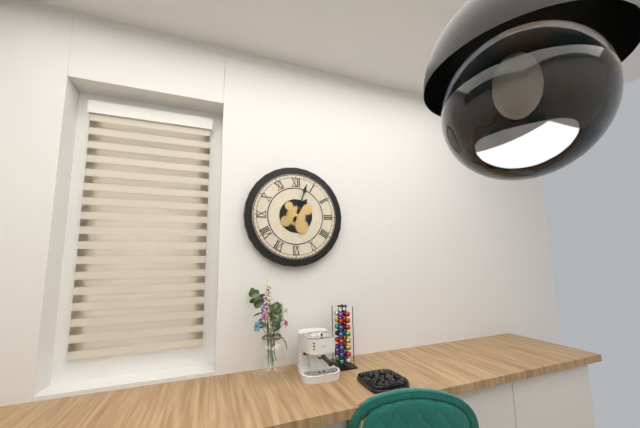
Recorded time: 1:03
